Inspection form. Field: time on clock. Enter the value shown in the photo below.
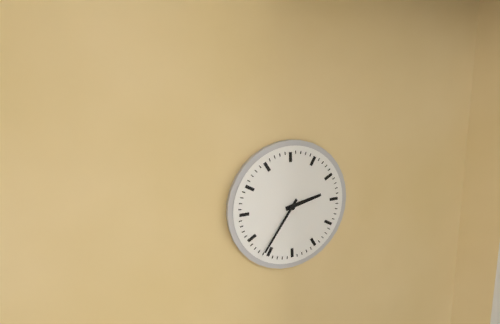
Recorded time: 2:36
